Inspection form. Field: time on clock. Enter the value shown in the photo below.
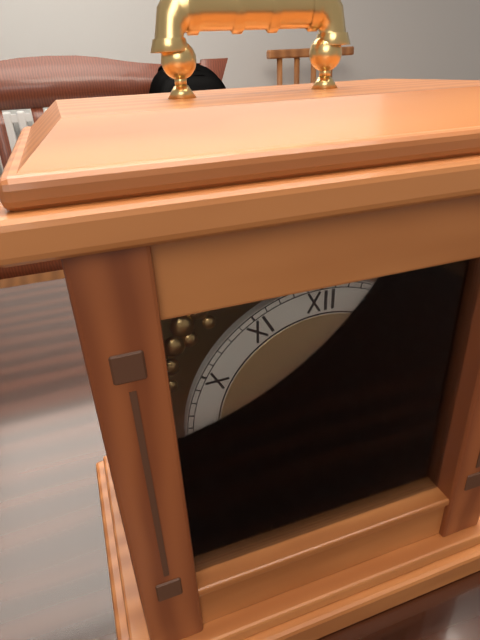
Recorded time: 6:23
